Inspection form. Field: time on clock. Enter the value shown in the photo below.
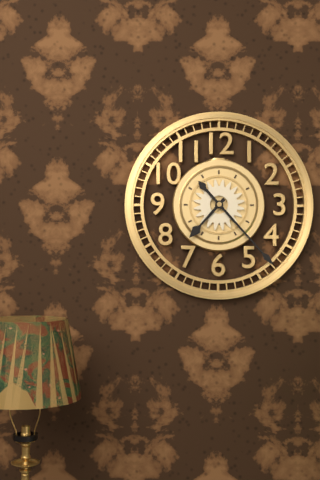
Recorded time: 7:23
